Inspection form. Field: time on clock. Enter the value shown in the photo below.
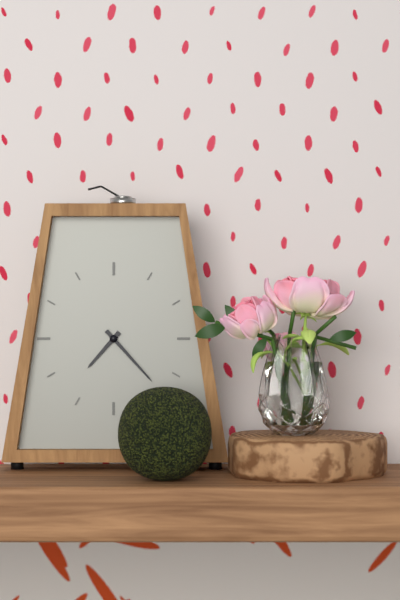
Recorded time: 7:23
